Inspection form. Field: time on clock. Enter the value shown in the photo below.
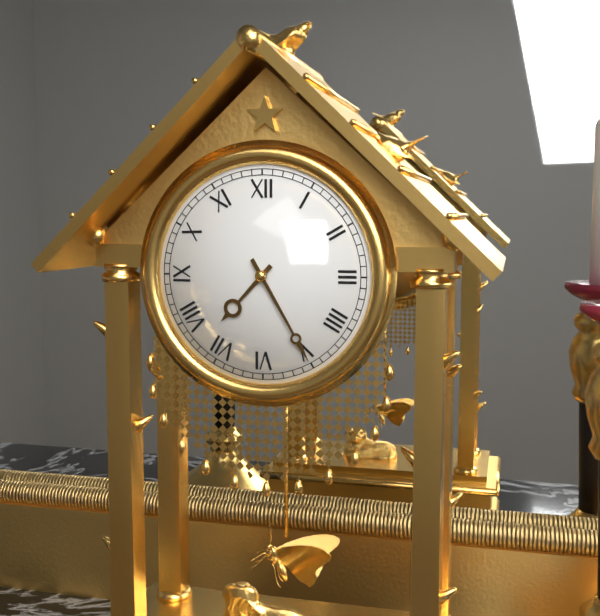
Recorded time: 7:25
